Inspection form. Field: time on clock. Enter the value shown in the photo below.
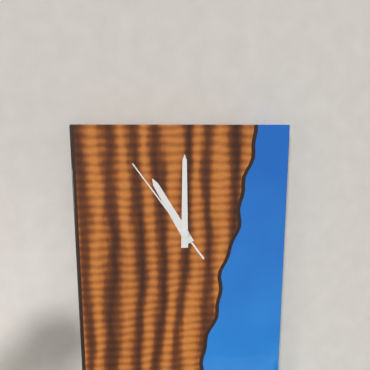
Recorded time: 11:00:54
